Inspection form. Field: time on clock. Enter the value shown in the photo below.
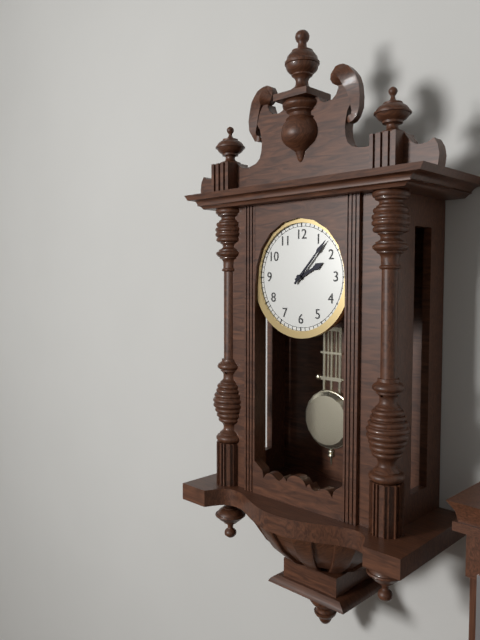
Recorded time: 2:07
